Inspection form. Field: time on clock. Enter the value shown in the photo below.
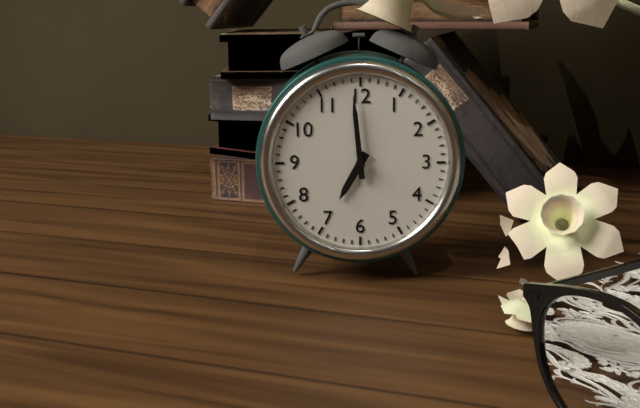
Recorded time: 6:59
